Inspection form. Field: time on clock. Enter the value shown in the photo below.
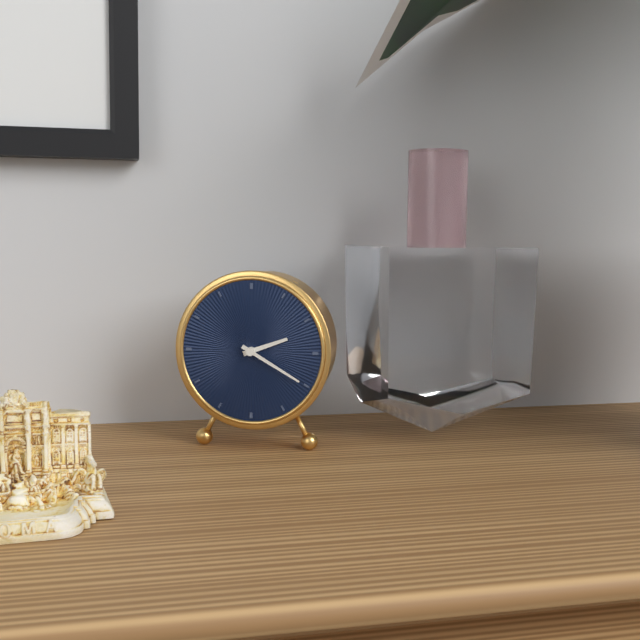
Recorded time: 2:20
